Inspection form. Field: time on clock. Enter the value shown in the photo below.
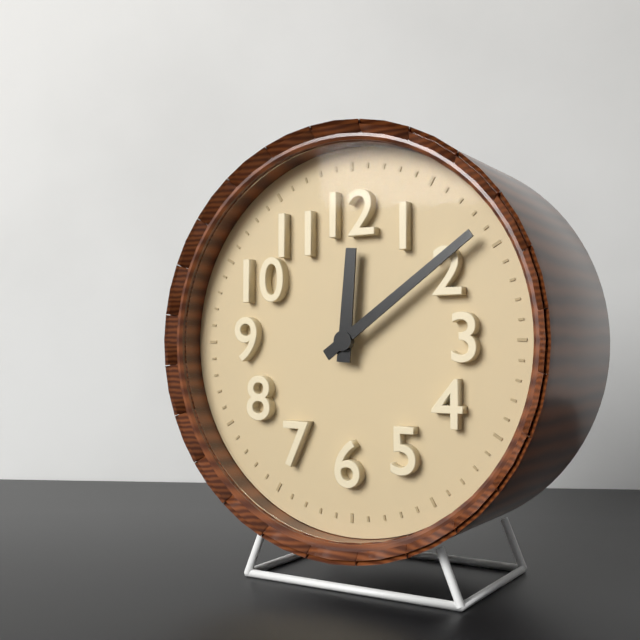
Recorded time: 12:09
